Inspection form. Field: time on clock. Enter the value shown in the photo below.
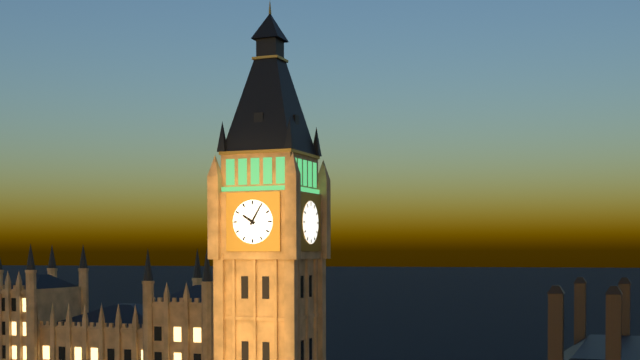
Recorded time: 10:05
